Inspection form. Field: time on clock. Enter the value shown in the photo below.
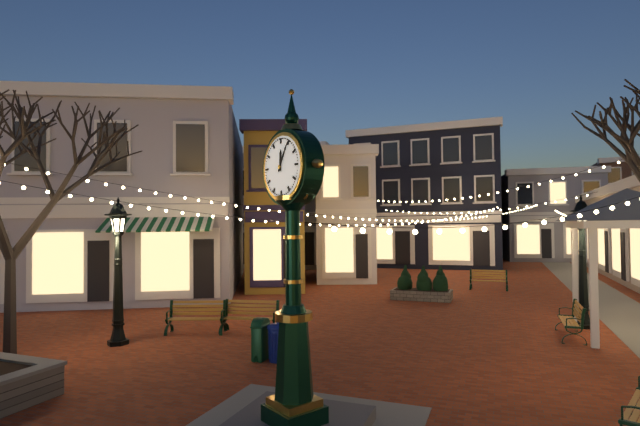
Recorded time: 12:05
